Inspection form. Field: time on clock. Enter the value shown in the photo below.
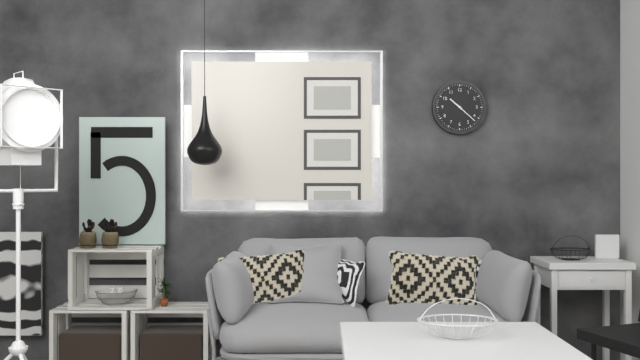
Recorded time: 10:22
